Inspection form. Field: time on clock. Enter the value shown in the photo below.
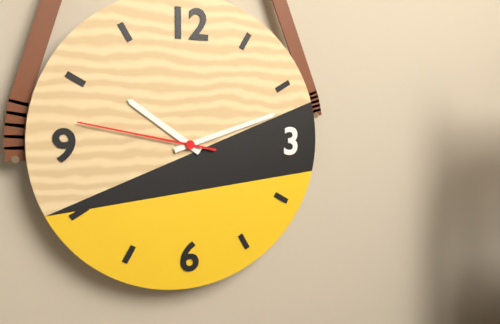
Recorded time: 10:12:47
